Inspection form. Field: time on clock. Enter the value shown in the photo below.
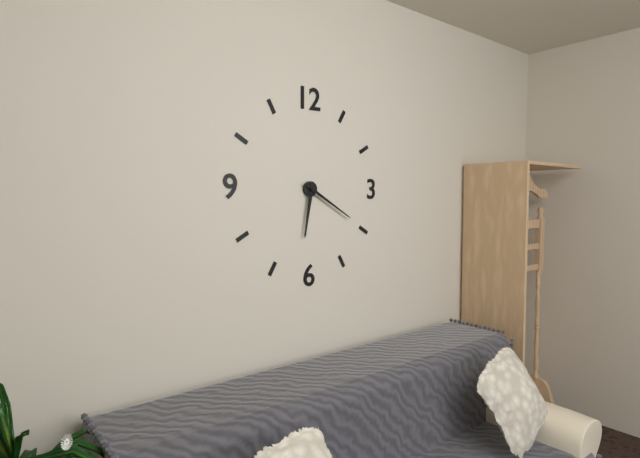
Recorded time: 6:20
